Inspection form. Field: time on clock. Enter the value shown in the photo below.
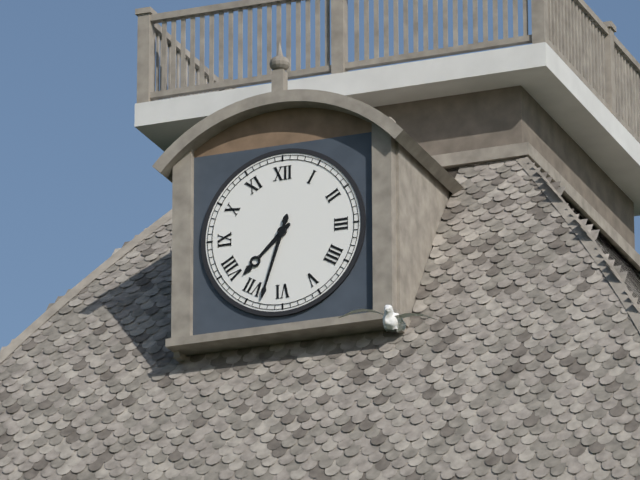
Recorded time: 7:33
